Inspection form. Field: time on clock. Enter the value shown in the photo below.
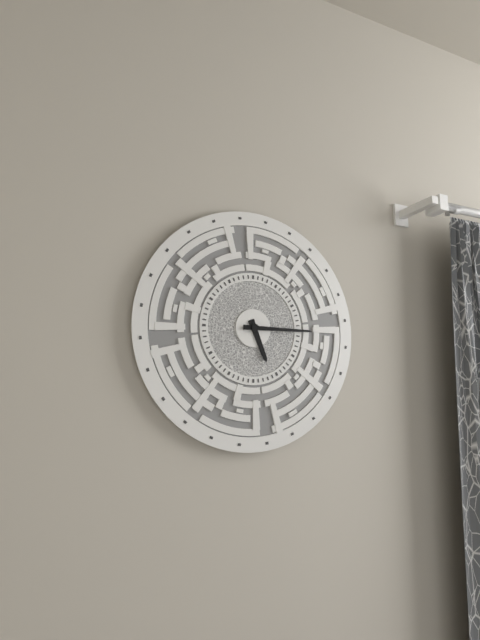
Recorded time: 5:15
